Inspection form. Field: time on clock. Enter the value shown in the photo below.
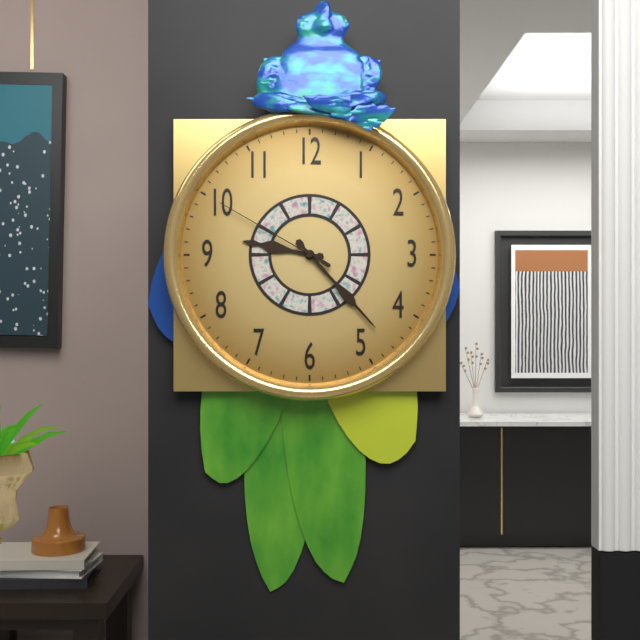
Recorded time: 9:23:50
